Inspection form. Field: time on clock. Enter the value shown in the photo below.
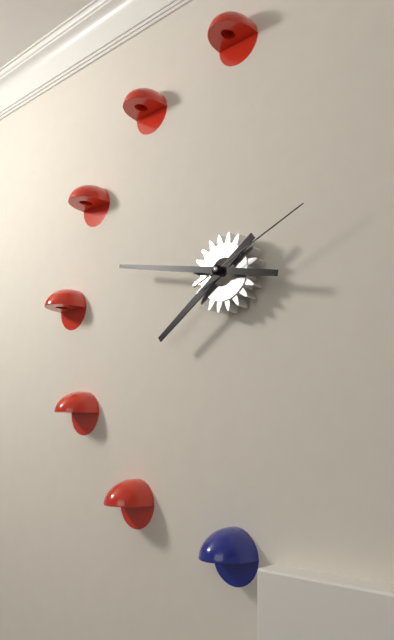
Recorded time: 7:47:11
